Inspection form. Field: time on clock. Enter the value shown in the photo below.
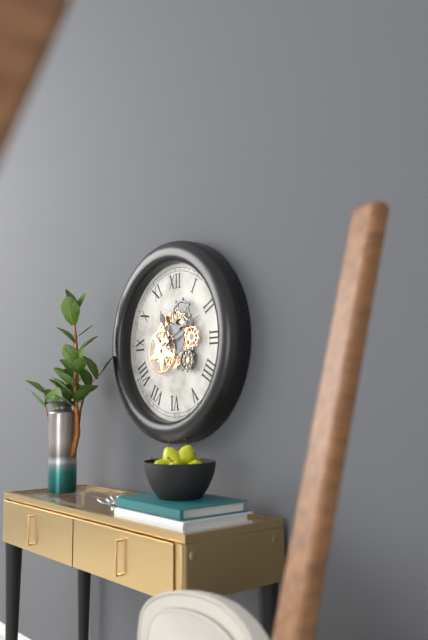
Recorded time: 11:11
